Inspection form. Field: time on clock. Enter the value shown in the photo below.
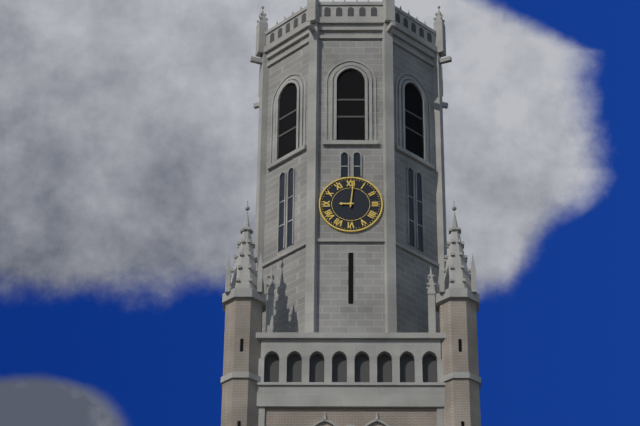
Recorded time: 9:01
